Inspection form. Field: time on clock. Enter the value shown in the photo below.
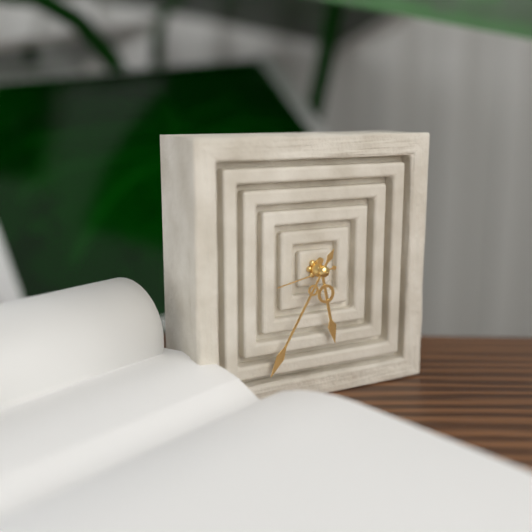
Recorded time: 5:35:43
